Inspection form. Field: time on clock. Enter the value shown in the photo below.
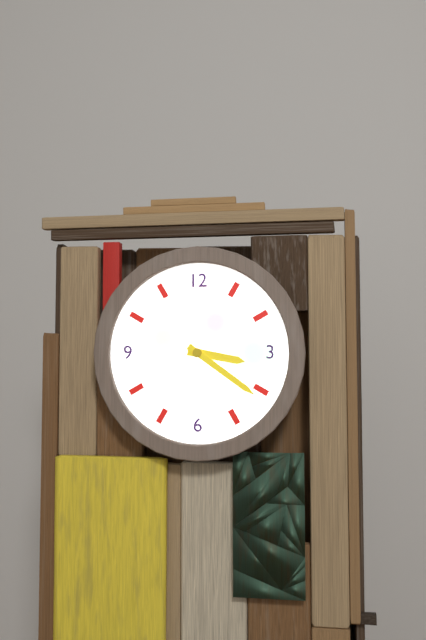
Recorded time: 3:21
